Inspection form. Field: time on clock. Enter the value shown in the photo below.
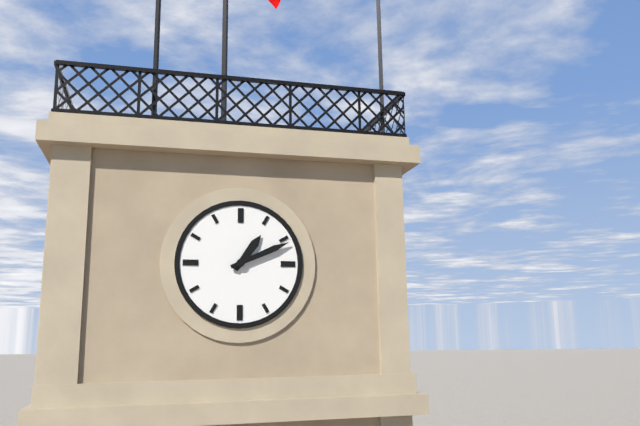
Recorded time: 1:11
